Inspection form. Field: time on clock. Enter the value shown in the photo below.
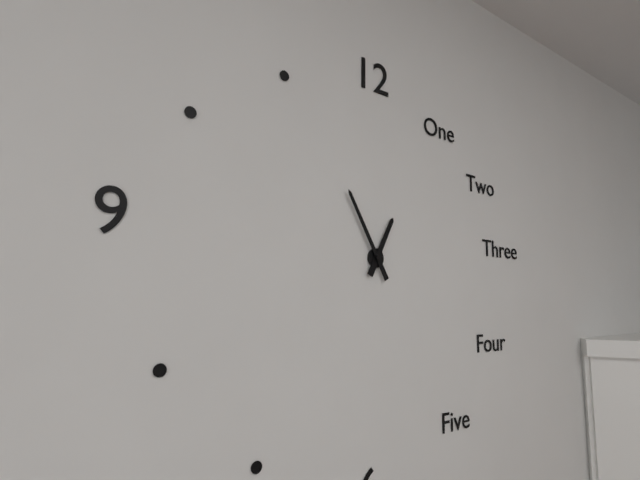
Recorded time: 12:55
